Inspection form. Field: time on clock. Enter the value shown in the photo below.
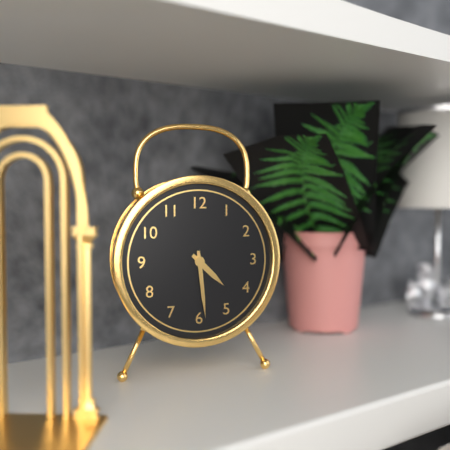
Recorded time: 4:29
